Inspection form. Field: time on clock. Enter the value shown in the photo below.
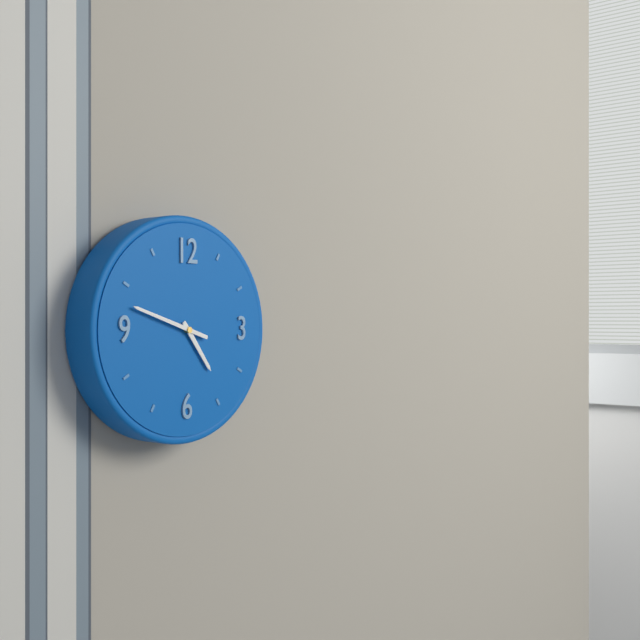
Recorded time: 4:48
